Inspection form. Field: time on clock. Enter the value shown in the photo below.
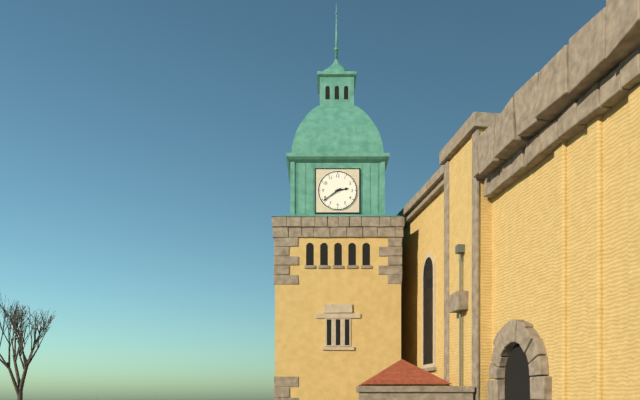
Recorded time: 2:39
